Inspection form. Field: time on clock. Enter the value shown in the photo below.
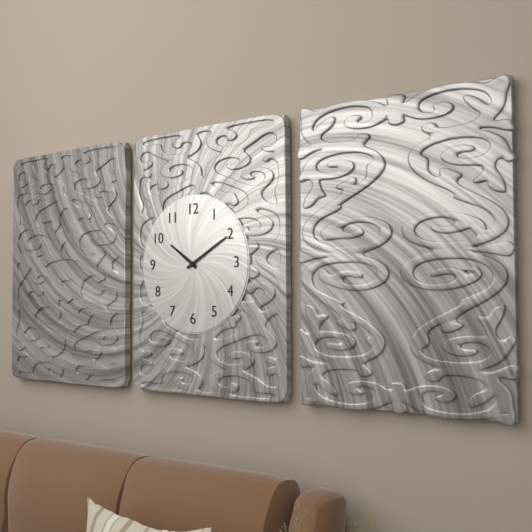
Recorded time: 10:10
